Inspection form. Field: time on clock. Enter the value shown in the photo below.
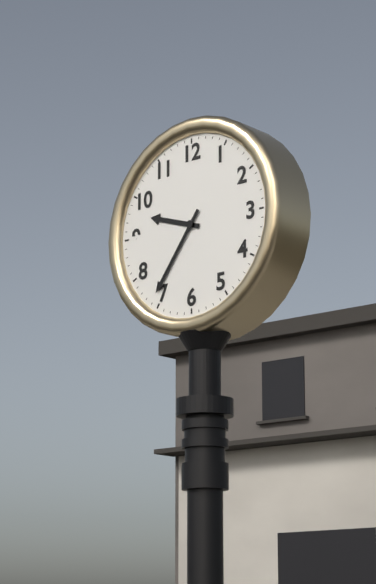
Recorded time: 9:36
